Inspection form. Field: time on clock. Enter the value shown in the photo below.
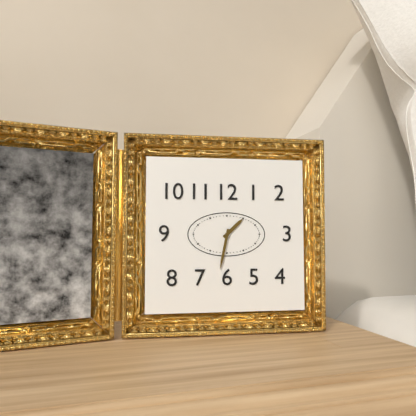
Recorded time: 1:32
